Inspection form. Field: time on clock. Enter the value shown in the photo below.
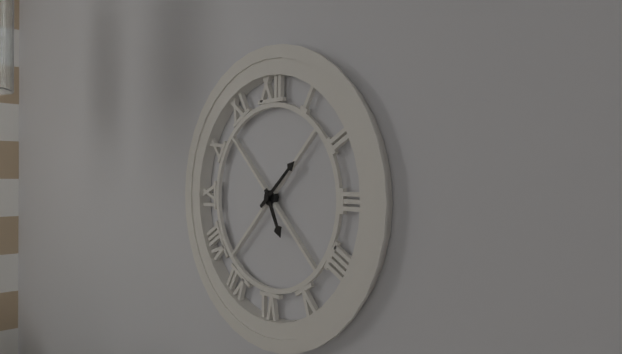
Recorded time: 5:08
